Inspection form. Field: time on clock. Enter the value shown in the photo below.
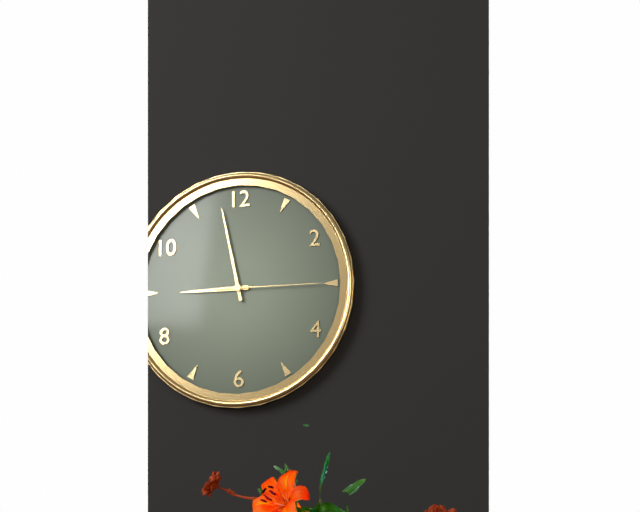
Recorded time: 8:58:15
